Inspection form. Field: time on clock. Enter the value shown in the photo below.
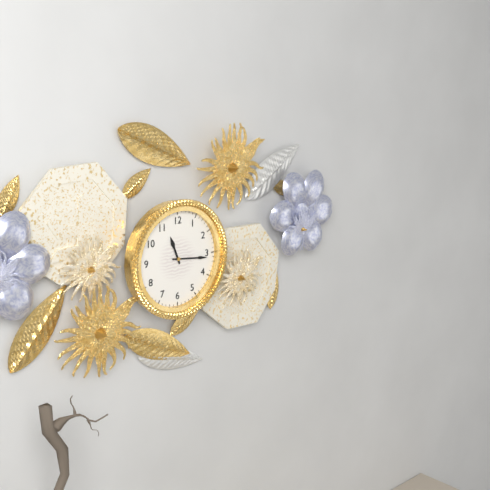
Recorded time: 11:16
